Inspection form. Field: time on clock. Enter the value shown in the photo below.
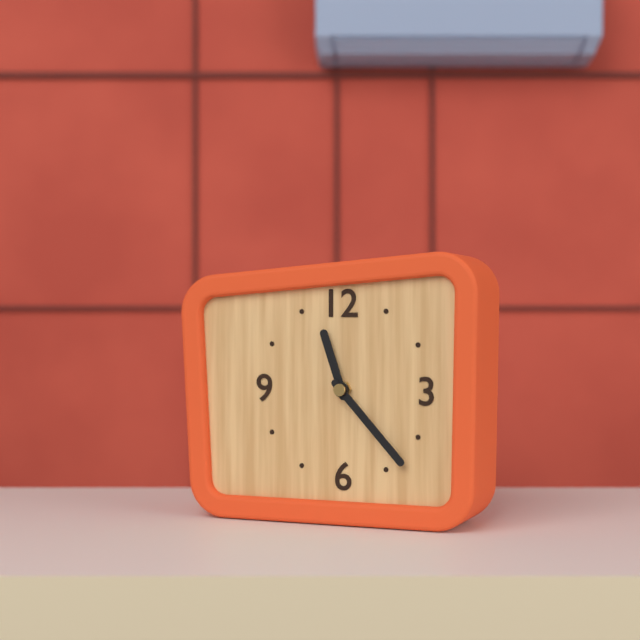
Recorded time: 11:23
